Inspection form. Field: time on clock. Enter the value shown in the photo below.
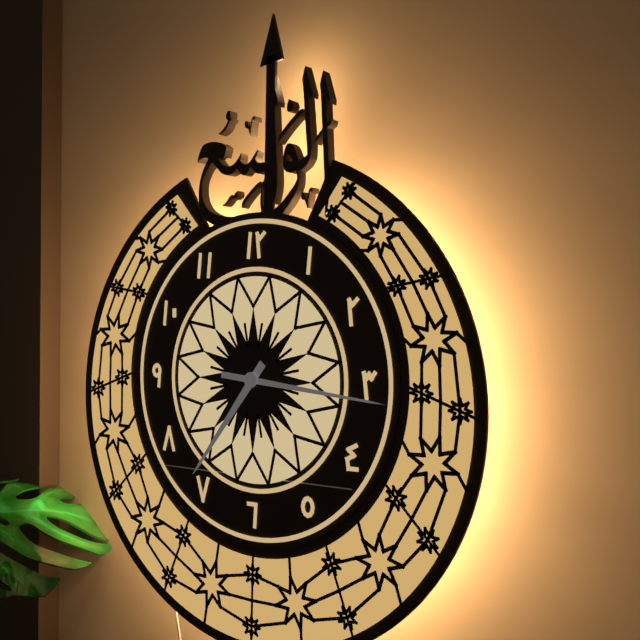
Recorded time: 7:16
